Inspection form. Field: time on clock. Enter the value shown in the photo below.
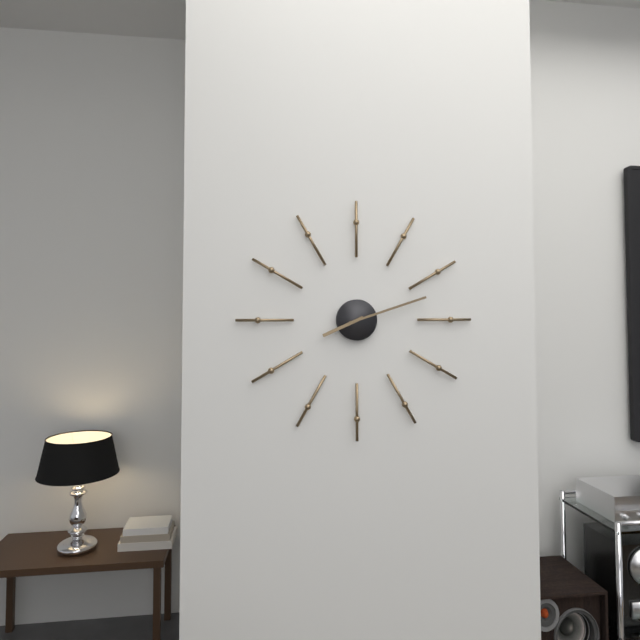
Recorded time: 8:12
